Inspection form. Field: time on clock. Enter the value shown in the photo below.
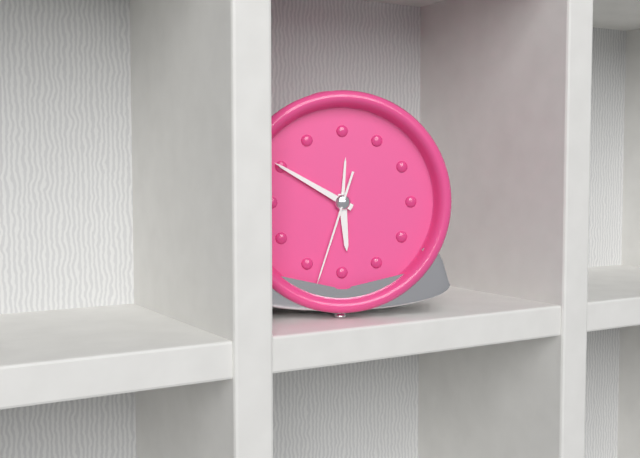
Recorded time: 5:50:33
